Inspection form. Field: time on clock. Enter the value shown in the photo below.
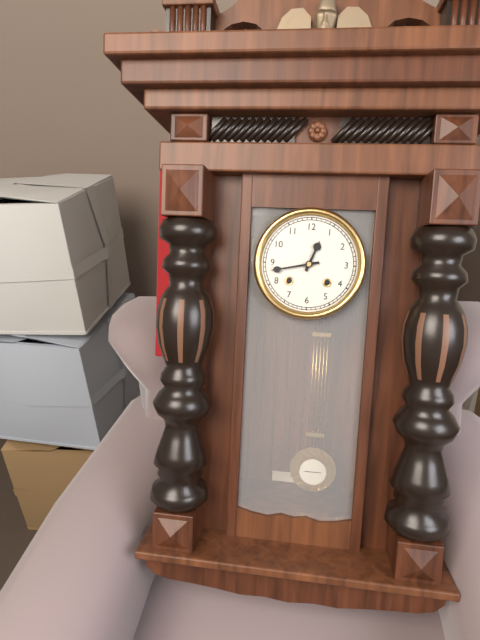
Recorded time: 12:43
